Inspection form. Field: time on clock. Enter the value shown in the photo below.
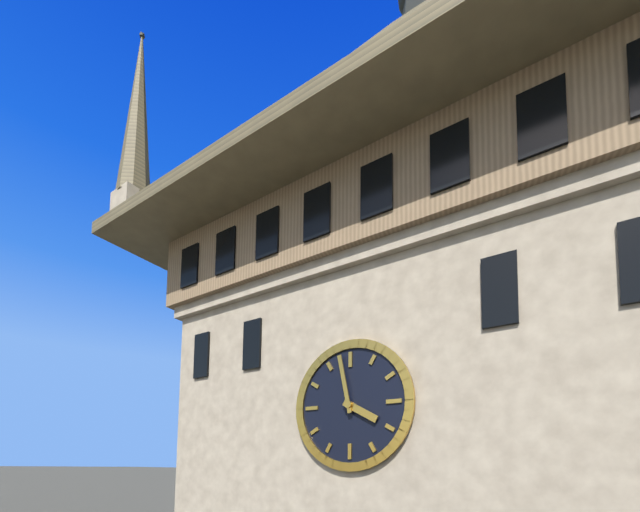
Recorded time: 3:58
